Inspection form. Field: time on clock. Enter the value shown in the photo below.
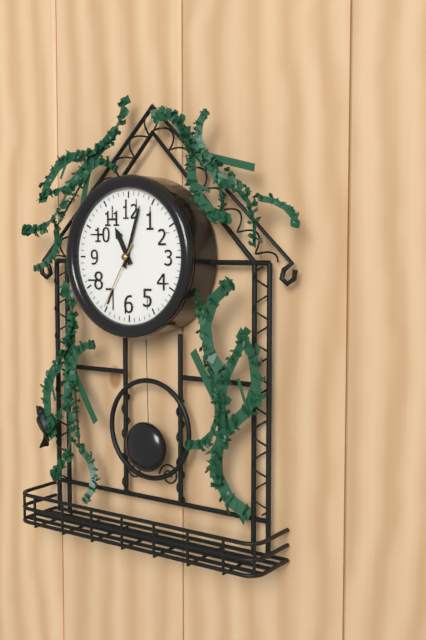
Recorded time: 11:03:35
